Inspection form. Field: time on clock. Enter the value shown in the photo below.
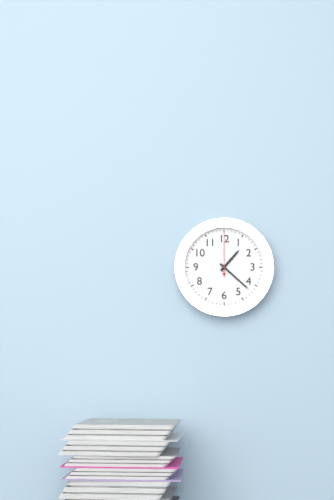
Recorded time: 1:22
